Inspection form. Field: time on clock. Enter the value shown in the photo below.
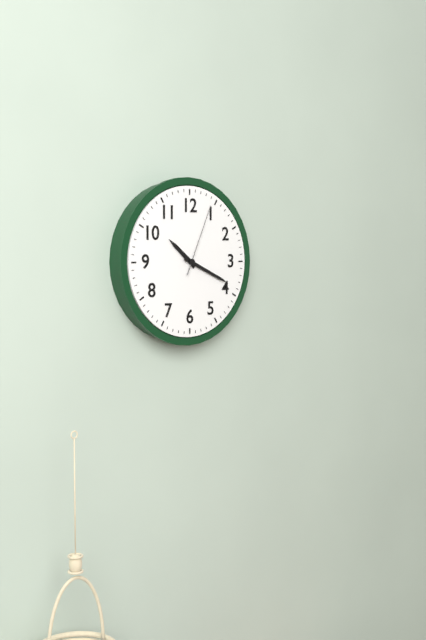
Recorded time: 10:19:04
